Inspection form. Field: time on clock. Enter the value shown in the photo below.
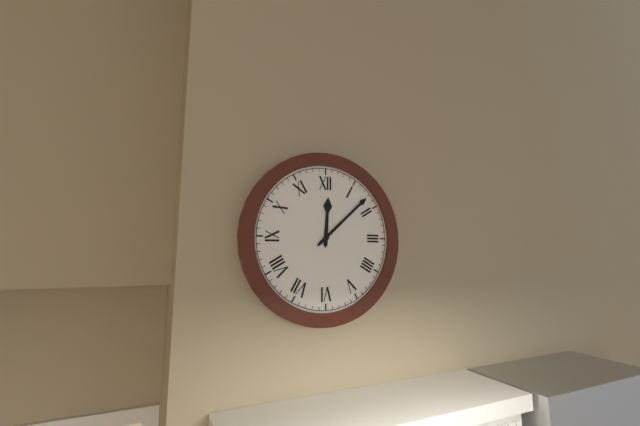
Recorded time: 12:08
